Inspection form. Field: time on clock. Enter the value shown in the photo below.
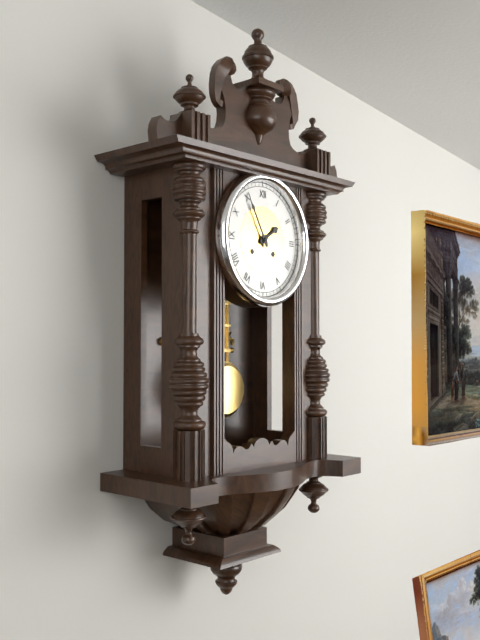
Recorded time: 1:55
